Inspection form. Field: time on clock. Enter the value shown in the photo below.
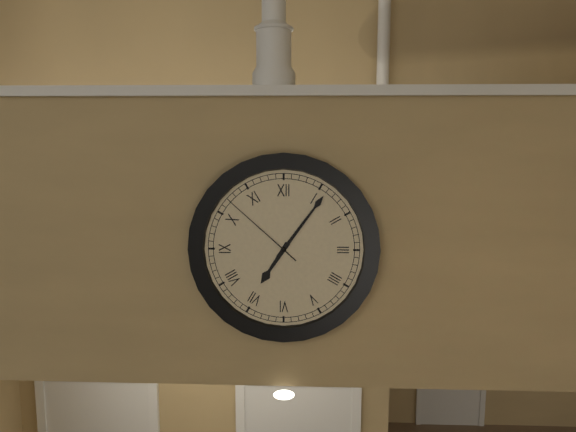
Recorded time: 7:06:52
